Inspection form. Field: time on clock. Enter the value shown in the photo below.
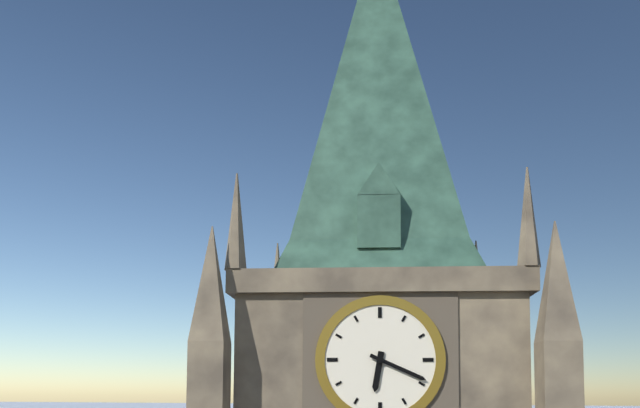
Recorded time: 6:19
